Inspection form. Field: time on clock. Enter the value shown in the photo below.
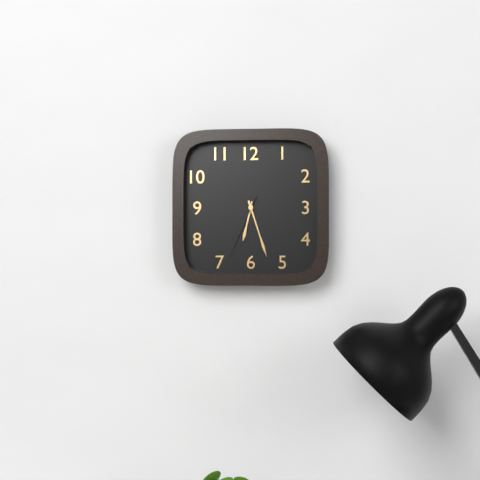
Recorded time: 6:27:34
